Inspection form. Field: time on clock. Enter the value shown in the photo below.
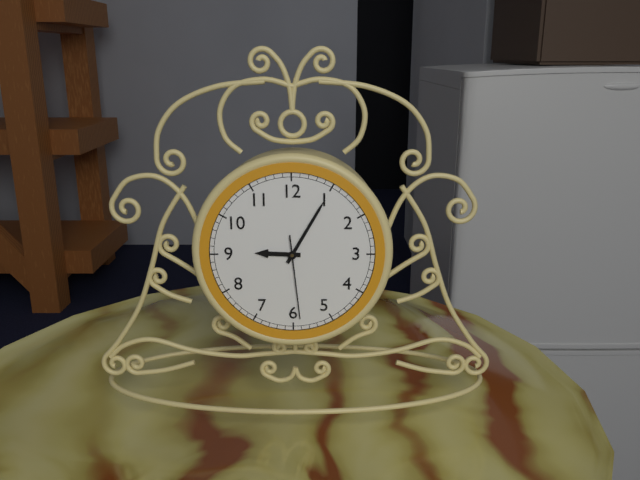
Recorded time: 9:05:29
